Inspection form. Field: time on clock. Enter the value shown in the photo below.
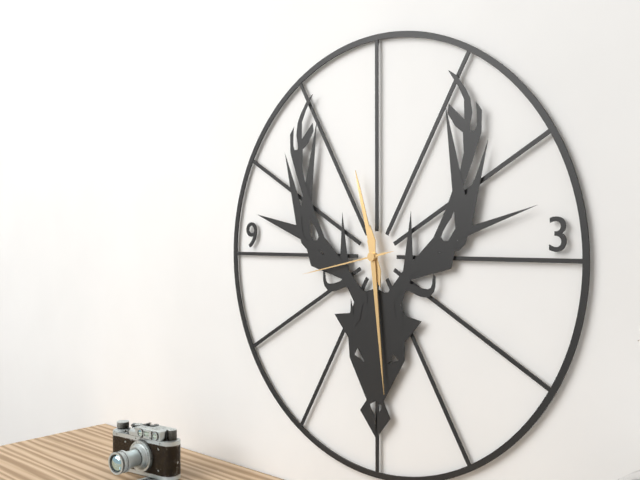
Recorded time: 11:29:43
